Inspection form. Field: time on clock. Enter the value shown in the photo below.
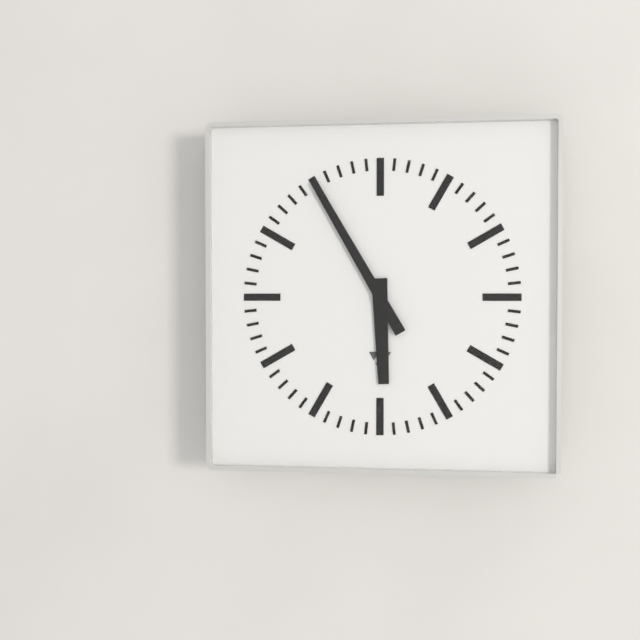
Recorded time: 5:55
